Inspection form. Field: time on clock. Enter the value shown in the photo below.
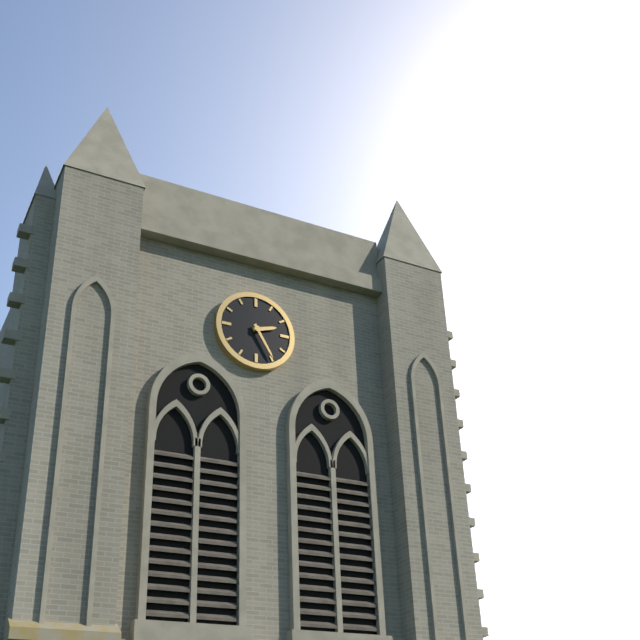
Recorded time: 2:25
